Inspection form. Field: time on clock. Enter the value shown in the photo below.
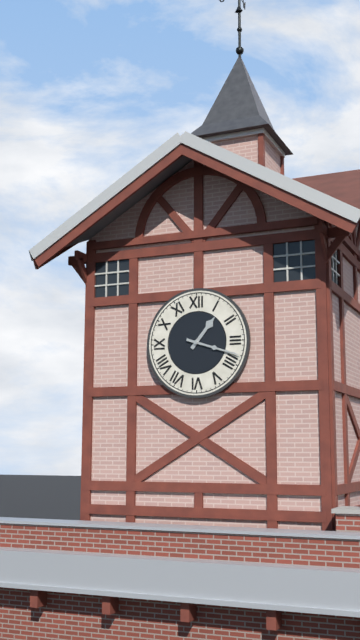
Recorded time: 1:18
